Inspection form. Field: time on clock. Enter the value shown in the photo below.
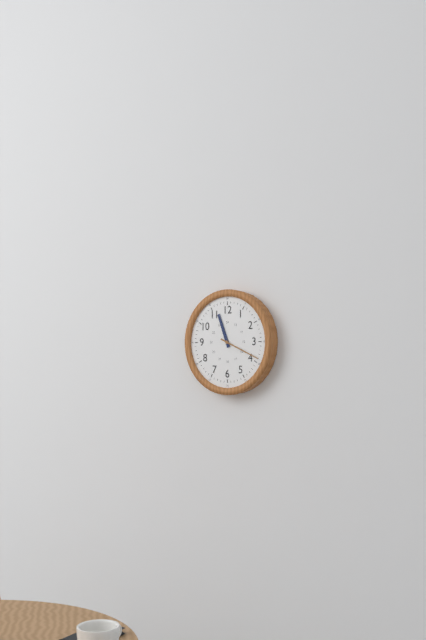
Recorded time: 11:19
